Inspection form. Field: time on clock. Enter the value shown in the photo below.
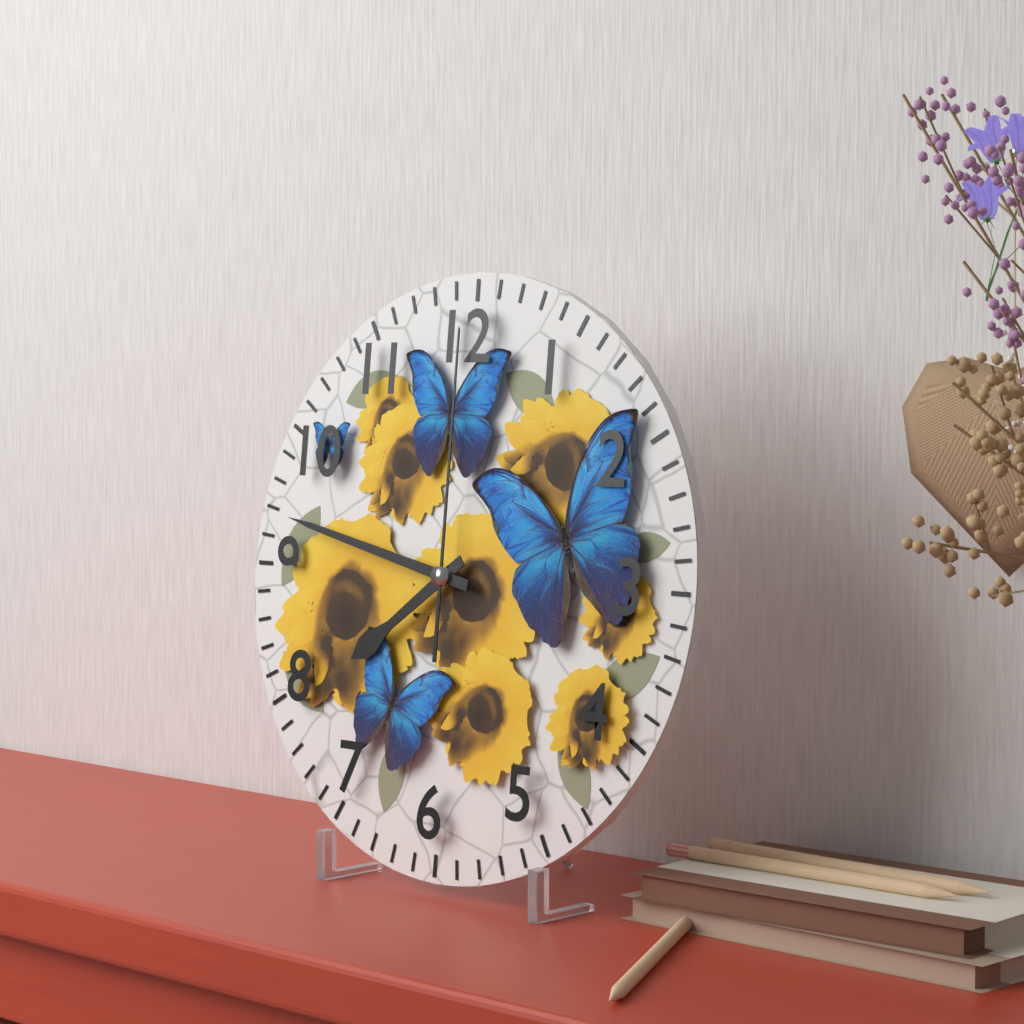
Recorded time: 7:47:00
